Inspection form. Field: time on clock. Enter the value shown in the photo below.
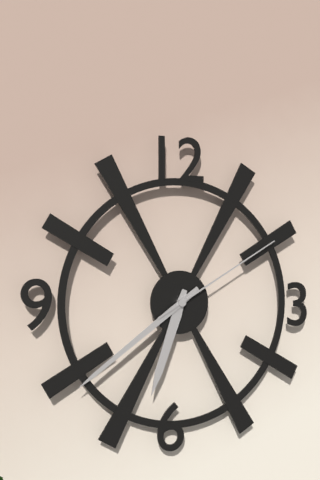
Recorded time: 6:39:10
